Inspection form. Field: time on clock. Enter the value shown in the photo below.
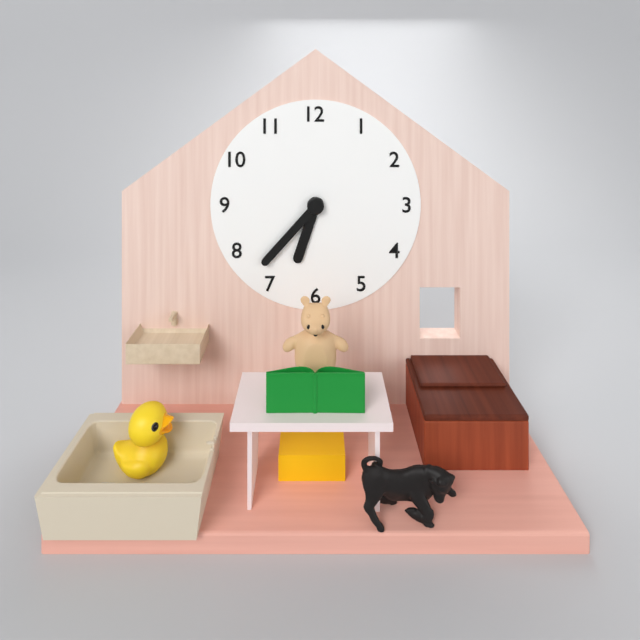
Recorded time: 6:37
